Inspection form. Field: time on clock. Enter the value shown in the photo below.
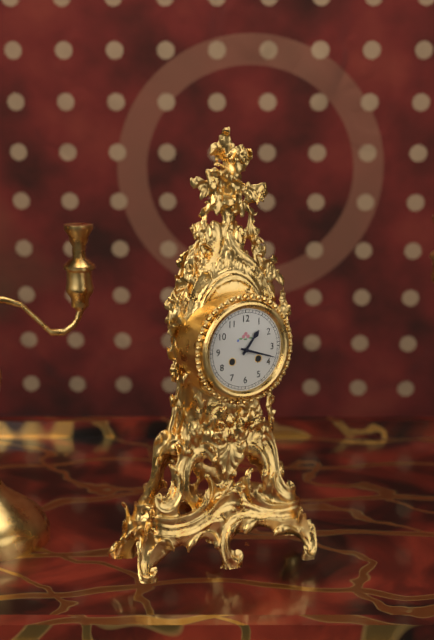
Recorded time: 1:18
